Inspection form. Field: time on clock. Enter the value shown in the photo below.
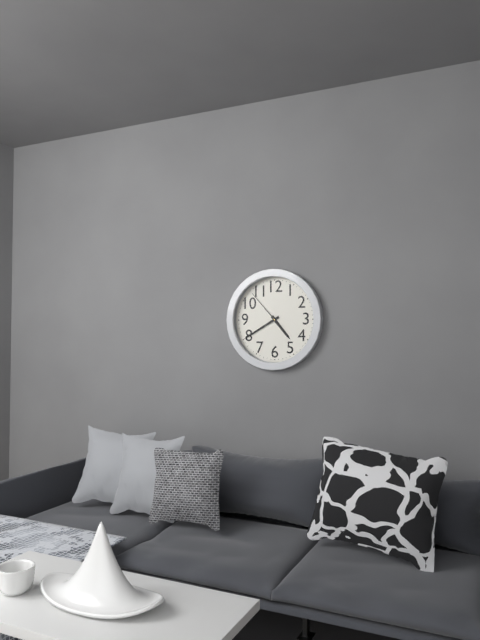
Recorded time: 4:40
